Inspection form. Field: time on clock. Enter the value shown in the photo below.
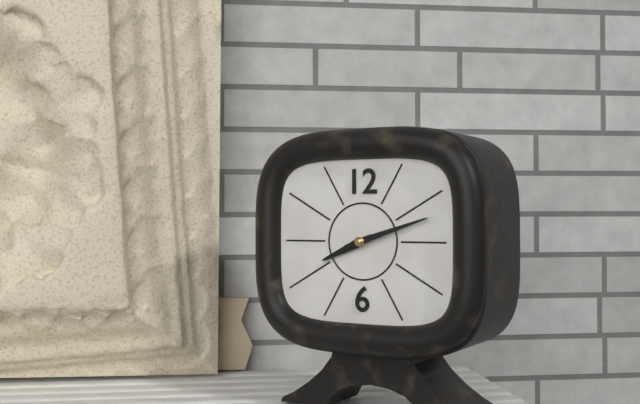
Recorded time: 8:12
